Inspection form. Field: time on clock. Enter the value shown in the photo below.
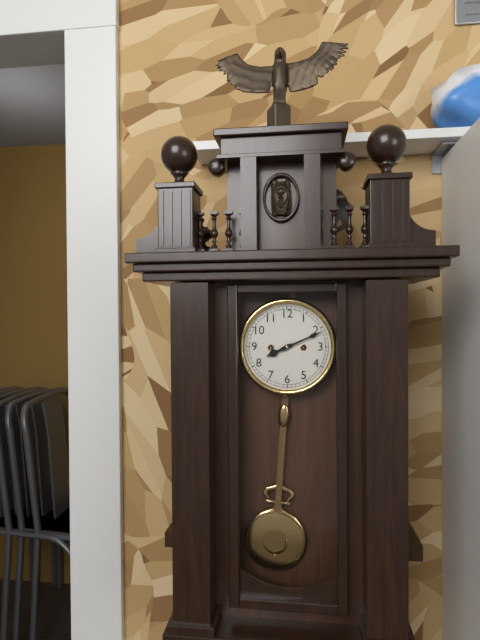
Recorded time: 8:11
